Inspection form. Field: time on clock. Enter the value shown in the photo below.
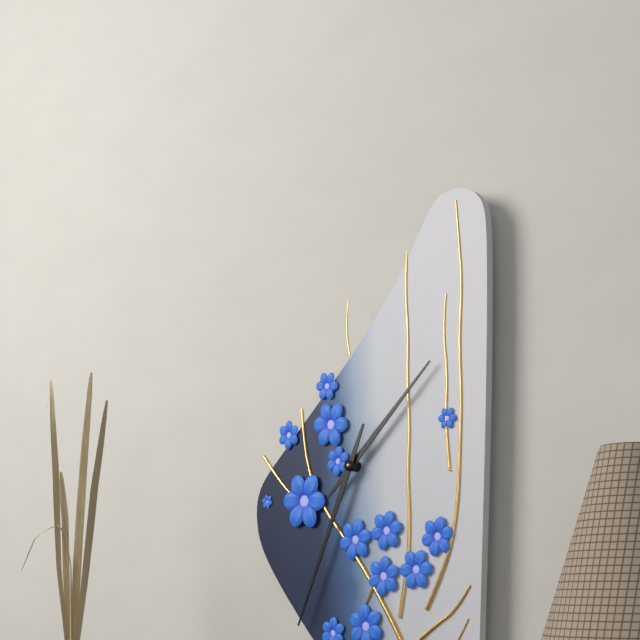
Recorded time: 1:34
